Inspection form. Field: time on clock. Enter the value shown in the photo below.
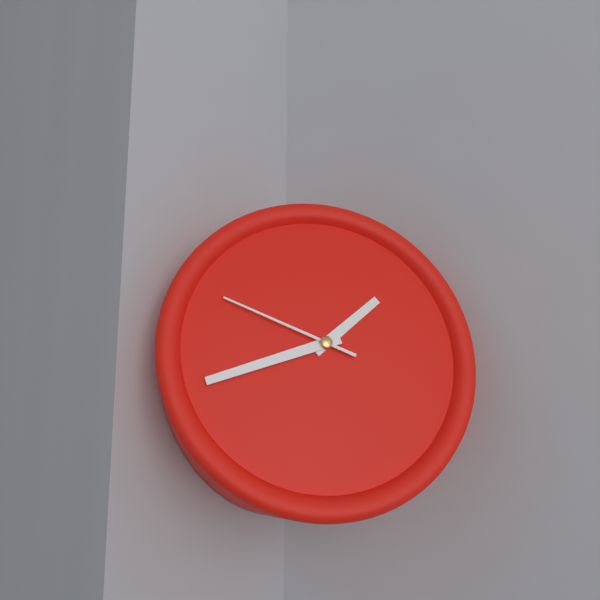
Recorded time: 1:42:49
